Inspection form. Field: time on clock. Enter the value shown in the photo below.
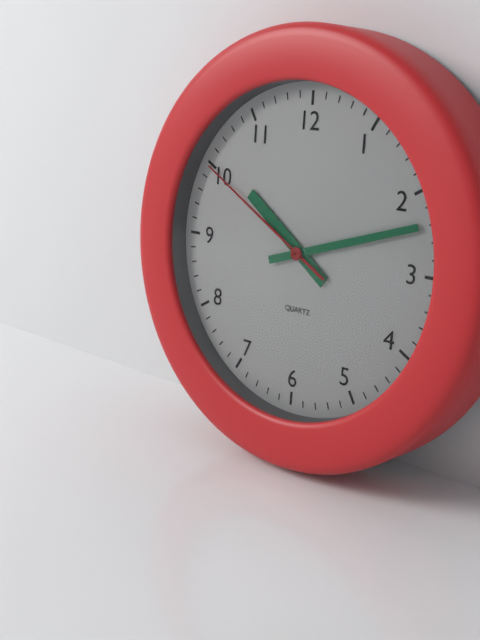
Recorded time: 10:12:50
